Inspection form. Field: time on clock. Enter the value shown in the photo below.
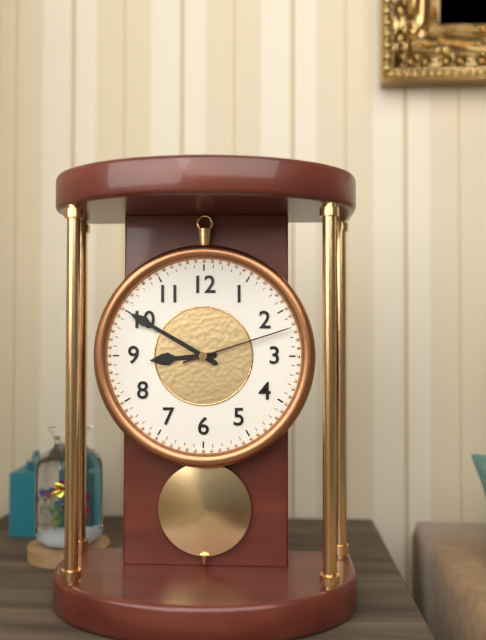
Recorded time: 8:50:12
